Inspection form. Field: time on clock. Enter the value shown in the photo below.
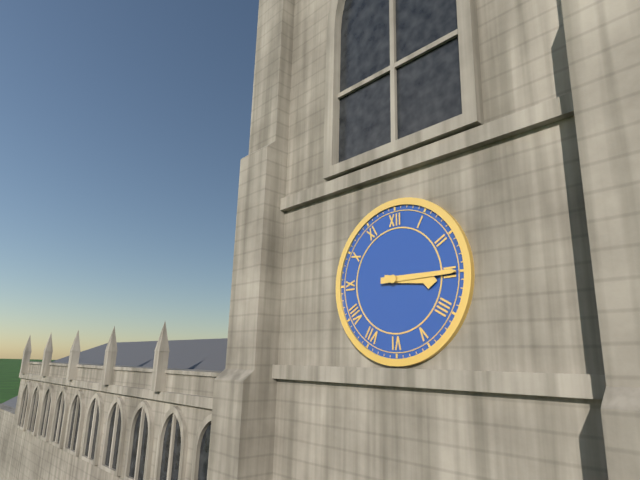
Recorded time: 3:15
